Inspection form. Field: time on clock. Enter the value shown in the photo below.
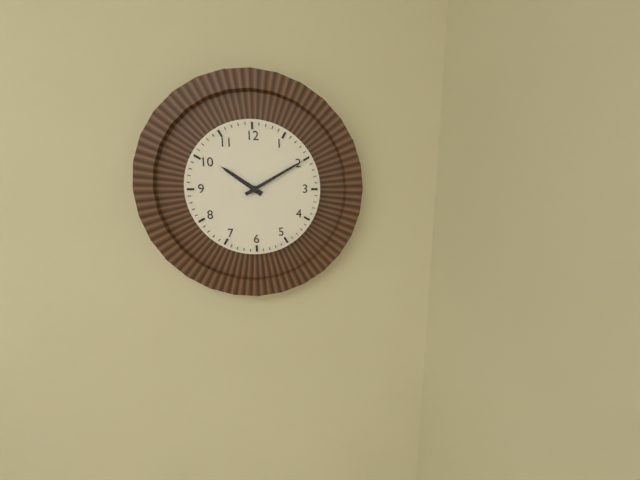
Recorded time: 10:10
